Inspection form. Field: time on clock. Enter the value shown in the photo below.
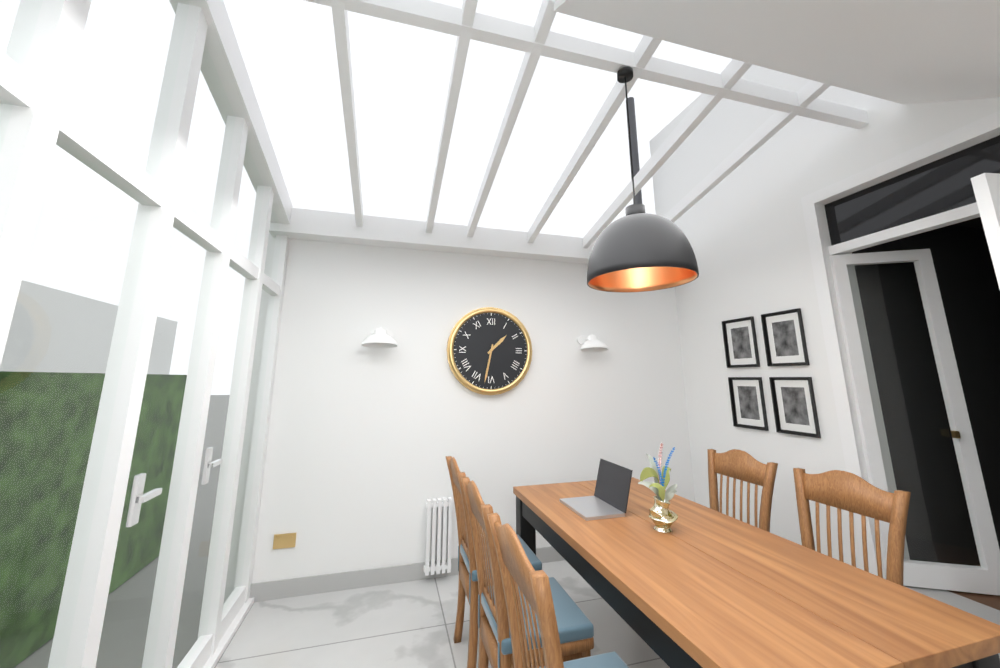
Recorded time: 1:32
